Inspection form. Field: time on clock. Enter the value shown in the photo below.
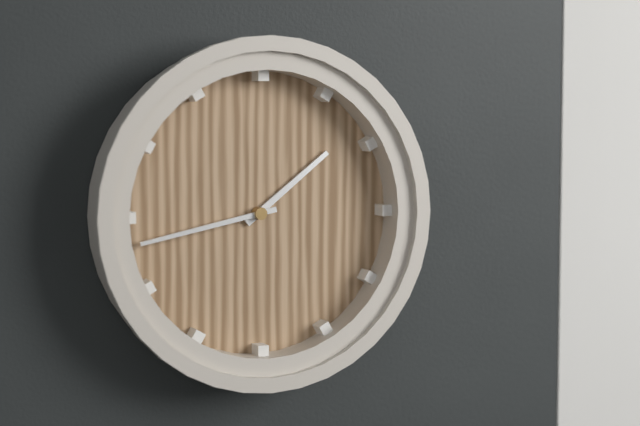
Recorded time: 1:43
